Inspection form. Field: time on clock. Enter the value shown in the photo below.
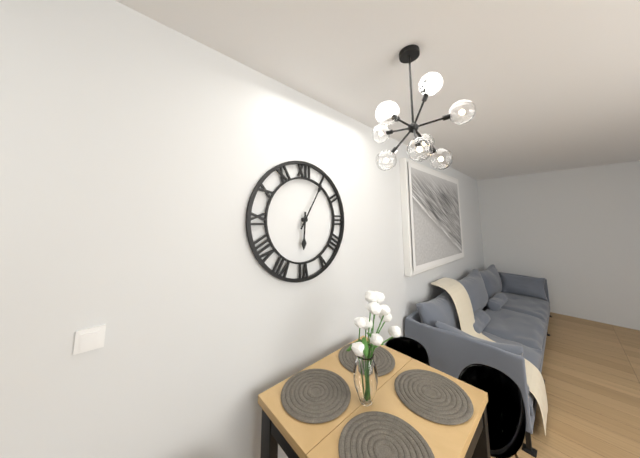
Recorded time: 6:05
